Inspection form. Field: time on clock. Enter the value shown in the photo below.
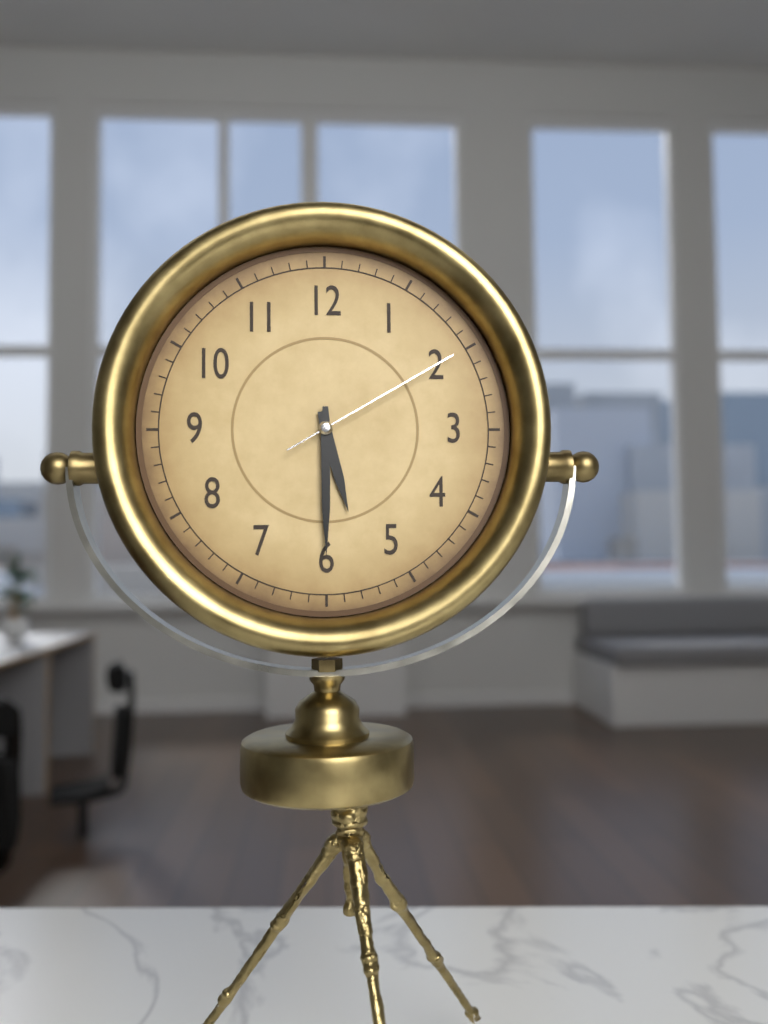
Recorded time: 5:30:10
